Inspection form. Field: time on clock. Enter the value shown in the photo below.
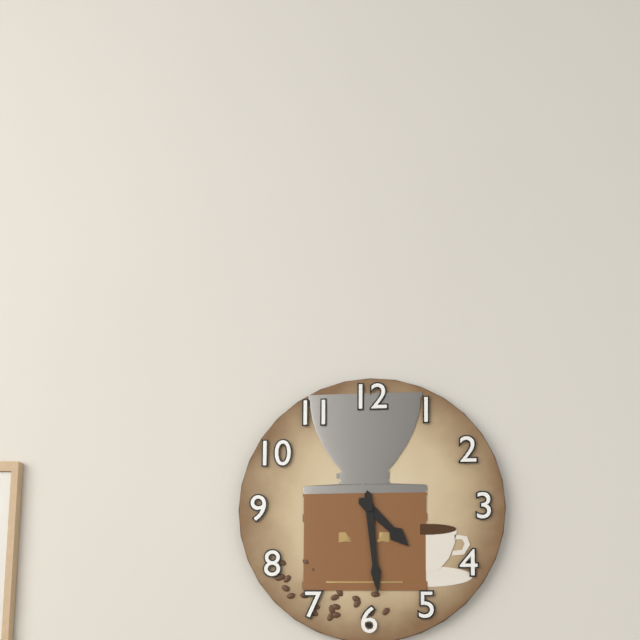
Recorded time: 4:29
